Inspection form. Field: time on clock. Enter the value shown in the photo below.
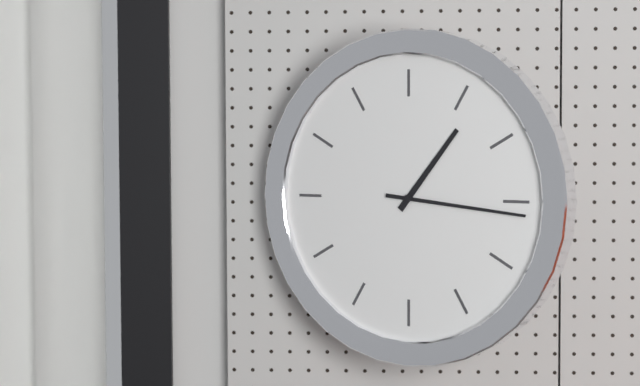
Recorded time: 1:16
